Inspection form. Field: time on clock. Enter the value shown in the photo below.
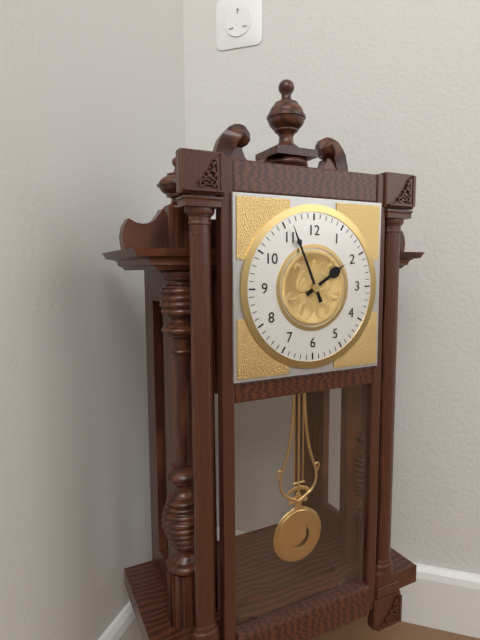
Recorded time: 1:56
